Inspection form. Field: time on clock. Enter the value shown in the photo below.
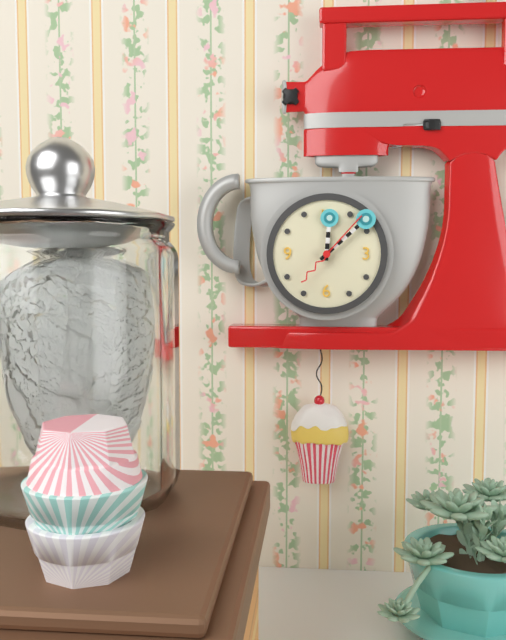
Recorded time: 12:08:07
